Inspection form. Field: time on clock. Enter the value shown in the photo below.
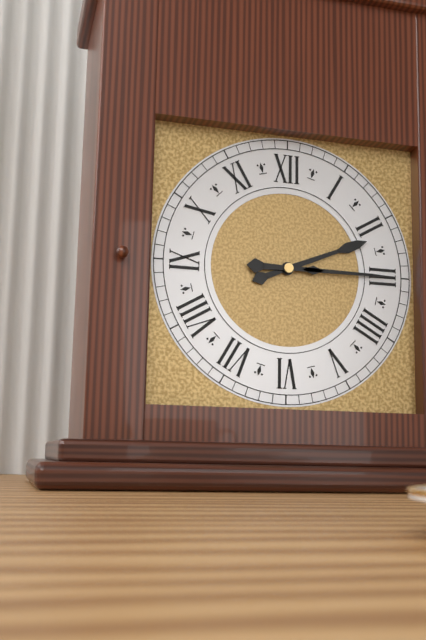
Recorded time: 2:15
